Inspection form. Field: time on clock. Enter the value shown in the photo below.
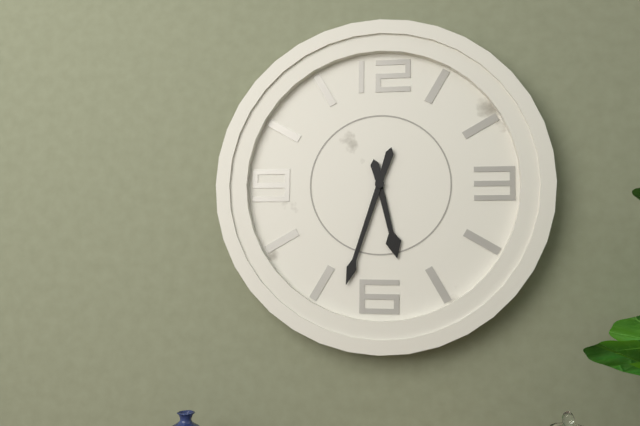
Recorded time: 5:33
